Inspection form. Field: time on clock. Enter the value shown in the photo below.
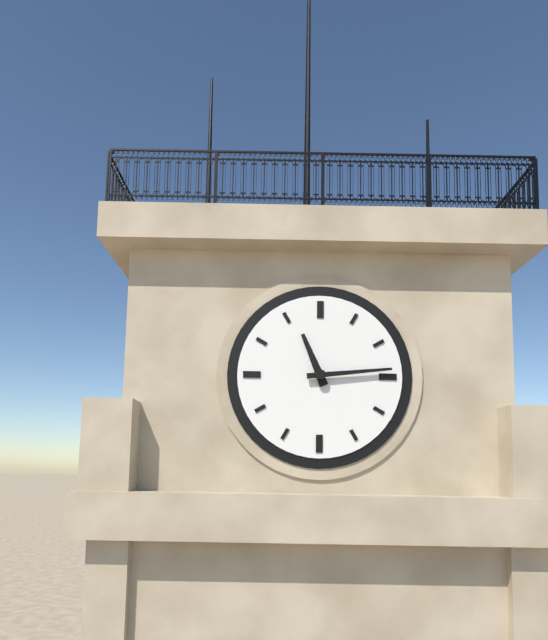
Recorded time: 11:14
